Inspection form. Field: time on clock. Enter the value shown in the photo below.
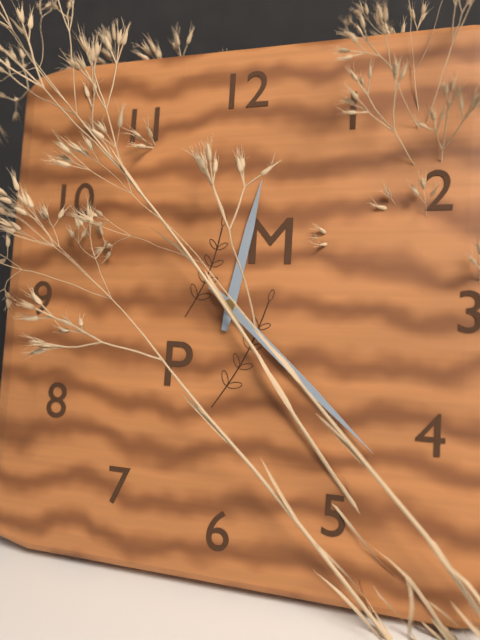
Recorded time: 12:22
